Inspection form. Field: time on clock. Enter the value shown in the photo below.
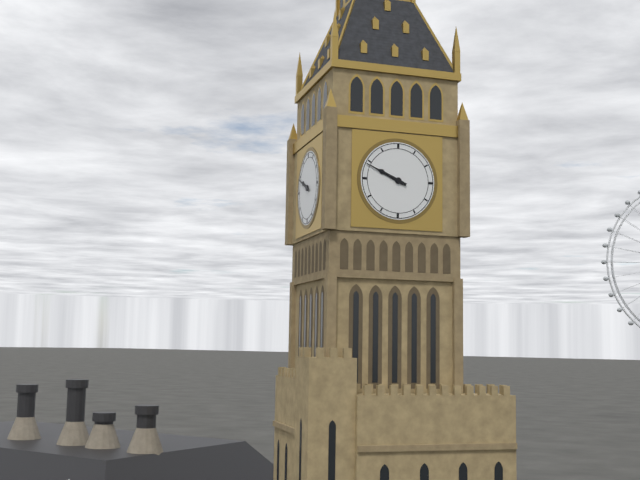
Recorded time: 9:49
